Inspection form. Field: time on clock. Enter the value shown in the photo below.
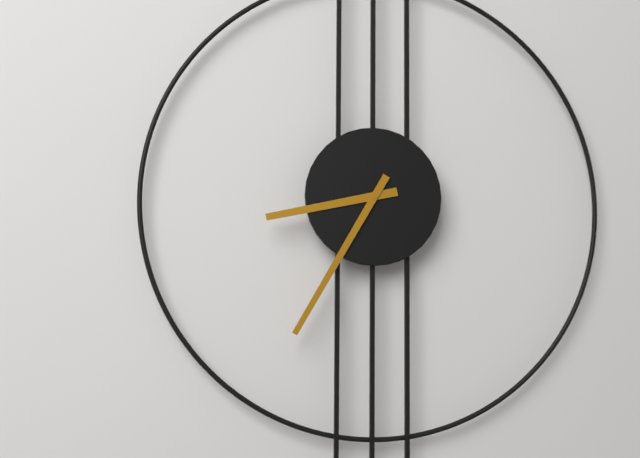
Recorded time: 8:35
